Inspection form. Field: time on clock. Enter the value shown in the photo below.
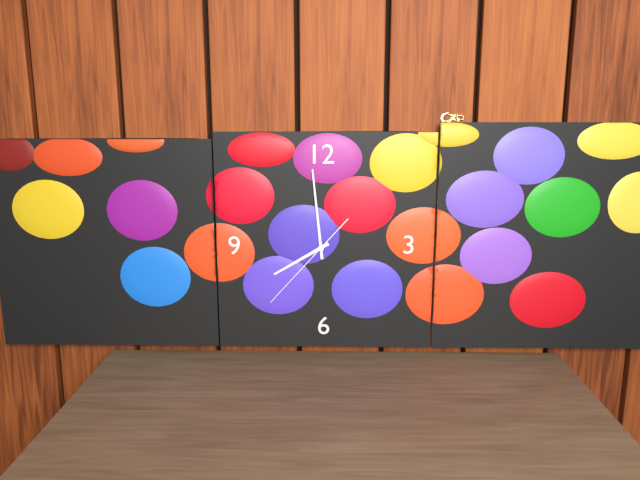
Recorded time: 7:59:37
